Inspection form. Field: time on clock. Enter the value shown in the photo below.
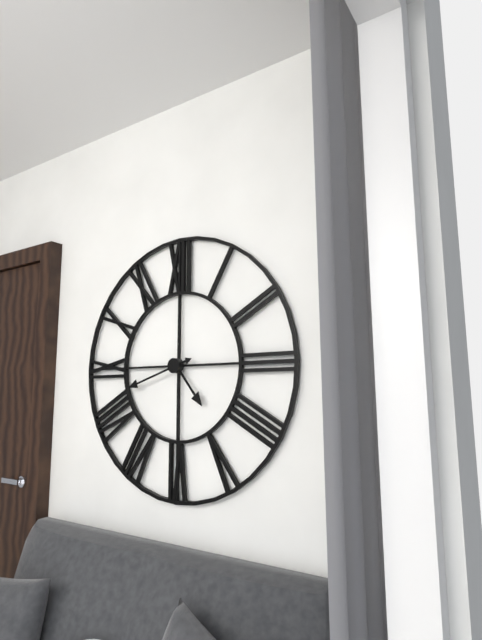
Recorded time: 4:42
